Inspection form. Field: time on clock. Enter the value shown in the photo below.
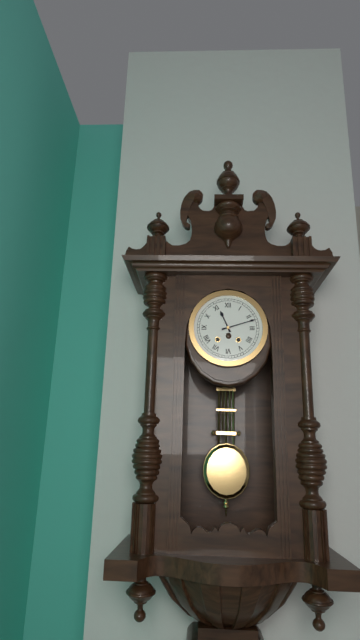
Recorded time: 11:12
